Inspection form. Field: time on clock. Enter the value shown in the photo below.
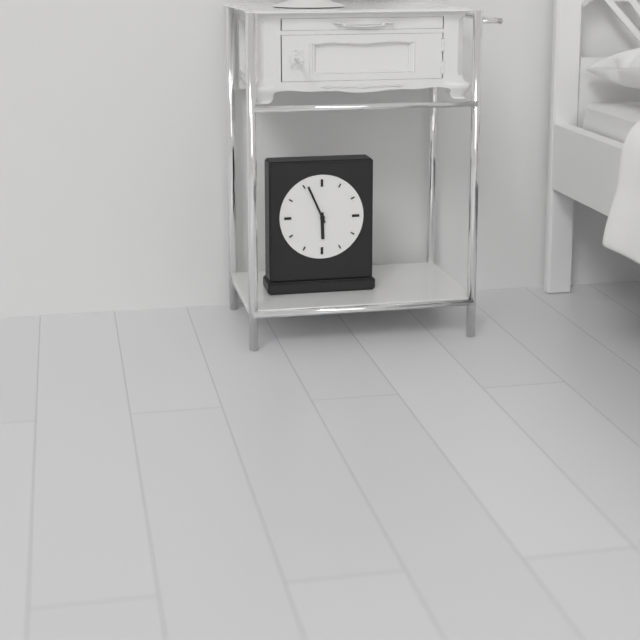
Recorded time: 5:56
